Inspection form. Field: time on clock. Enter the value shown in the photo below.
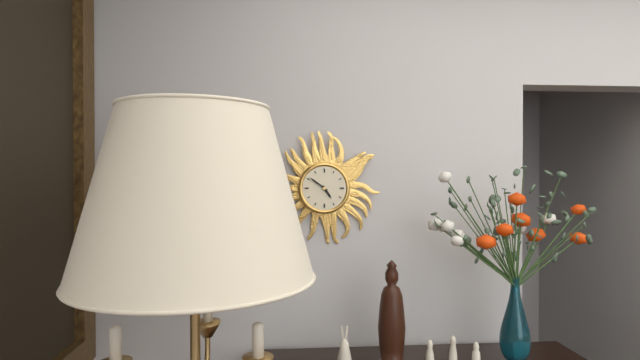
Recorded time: 4:51
